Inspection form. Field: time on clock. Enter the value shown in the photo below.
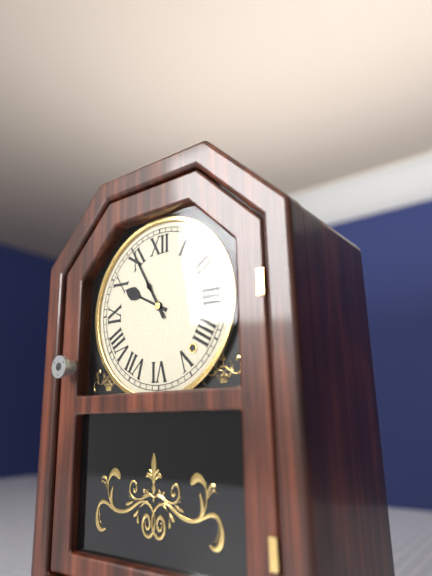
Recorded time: 9:55
